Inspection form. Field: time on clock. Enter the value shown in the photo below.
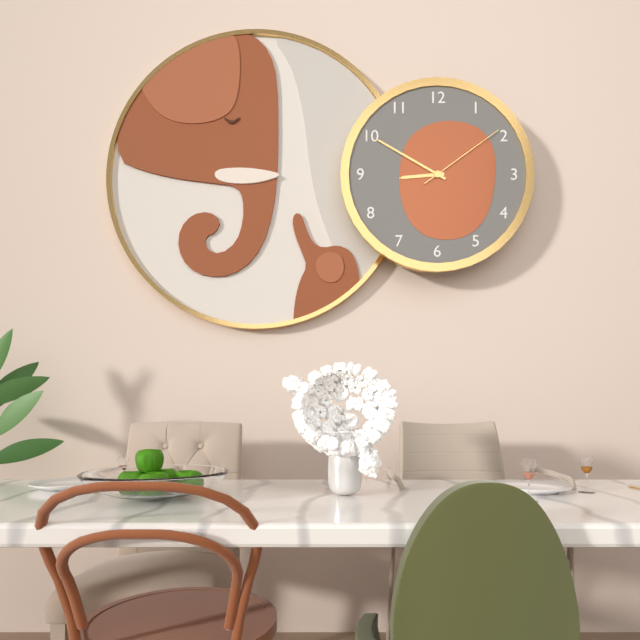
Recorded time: 8:50:09
